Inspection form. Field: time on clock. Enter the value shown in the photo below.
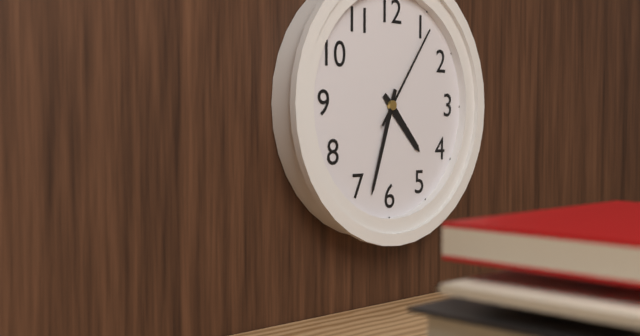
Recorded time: 4:33:06
